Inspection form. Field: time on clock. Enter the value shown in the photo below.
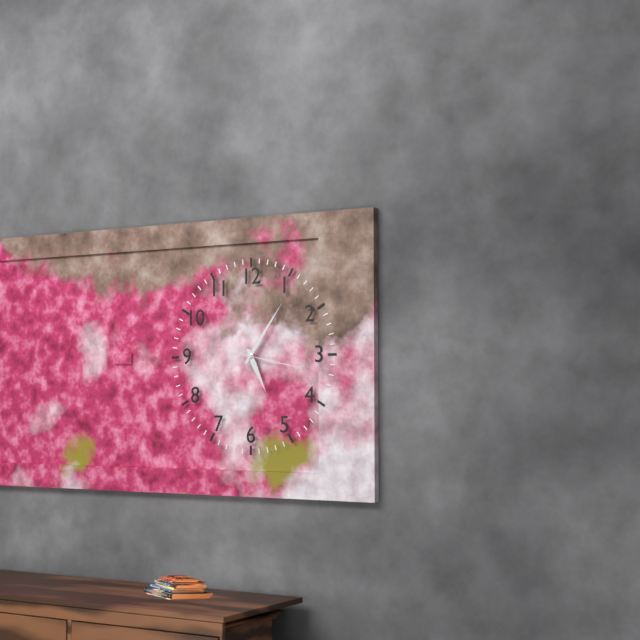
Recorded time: 5:06:17
